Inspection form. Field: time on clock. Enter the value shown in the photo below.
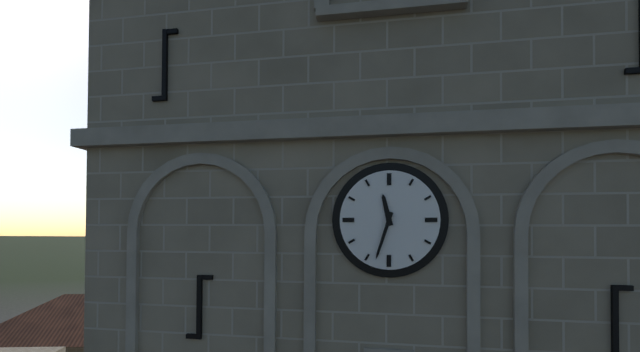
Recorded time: 11:33
